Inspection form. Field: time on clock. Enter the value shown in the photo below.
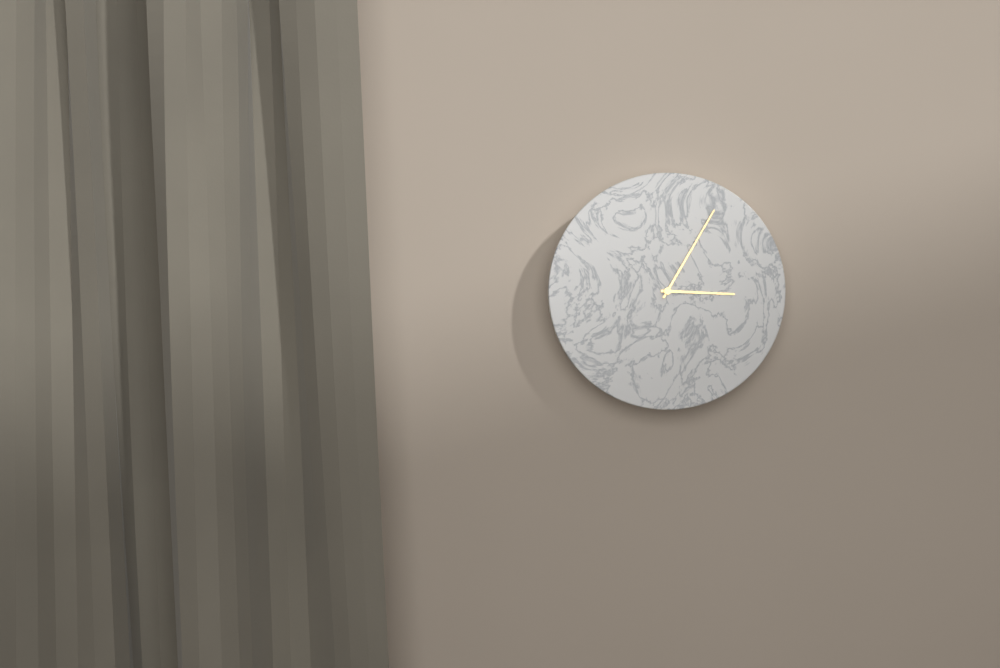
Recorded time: 3:05
